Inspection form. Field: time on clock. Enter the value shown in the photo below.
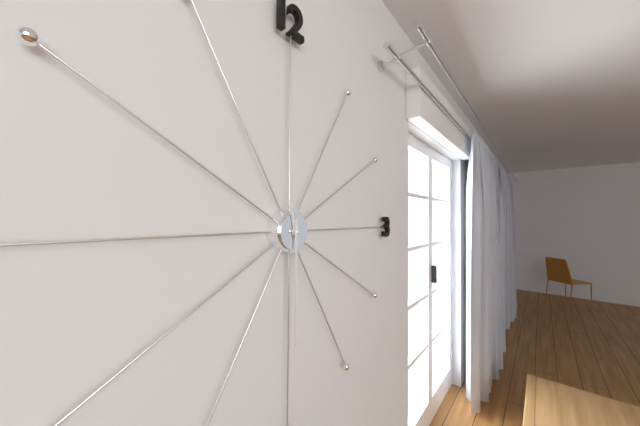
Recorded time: 11:30
